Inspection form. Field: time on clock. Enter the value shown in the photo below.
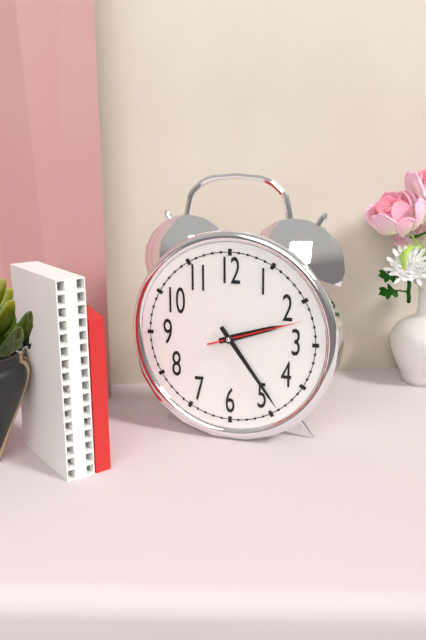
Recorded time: 2:24:12
